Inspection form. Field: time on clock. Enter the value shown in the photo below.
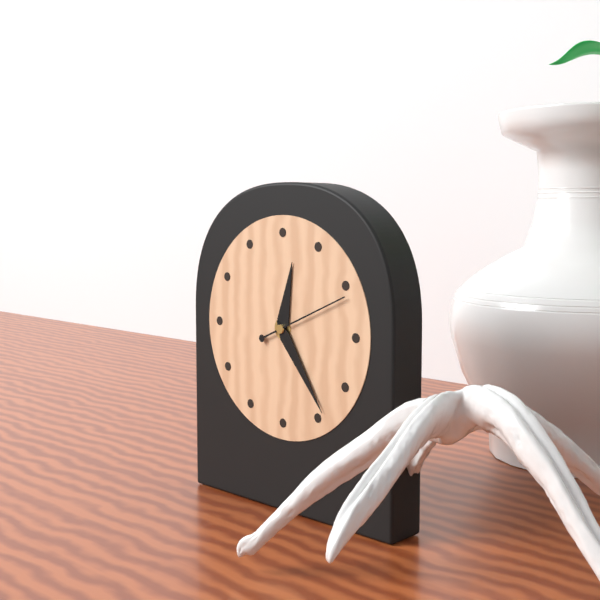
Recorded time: 12:24:11
